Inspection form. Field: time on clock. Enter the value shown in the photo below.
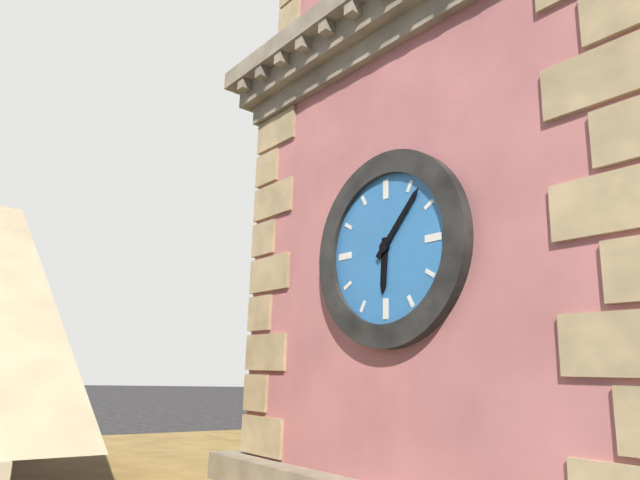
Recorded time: 6:07
